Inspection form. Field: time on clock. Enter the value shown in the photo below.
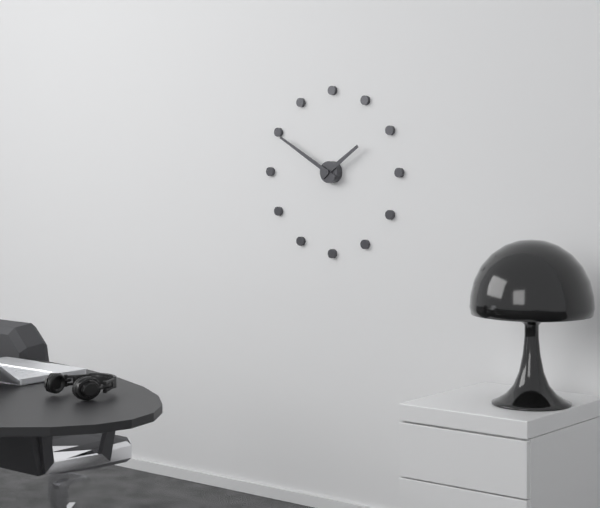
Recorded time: 1:50
